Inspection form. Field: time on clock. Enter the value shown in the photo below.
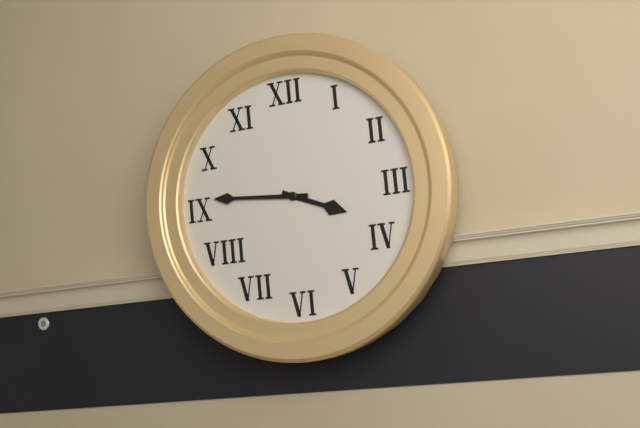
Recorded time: 3:46
